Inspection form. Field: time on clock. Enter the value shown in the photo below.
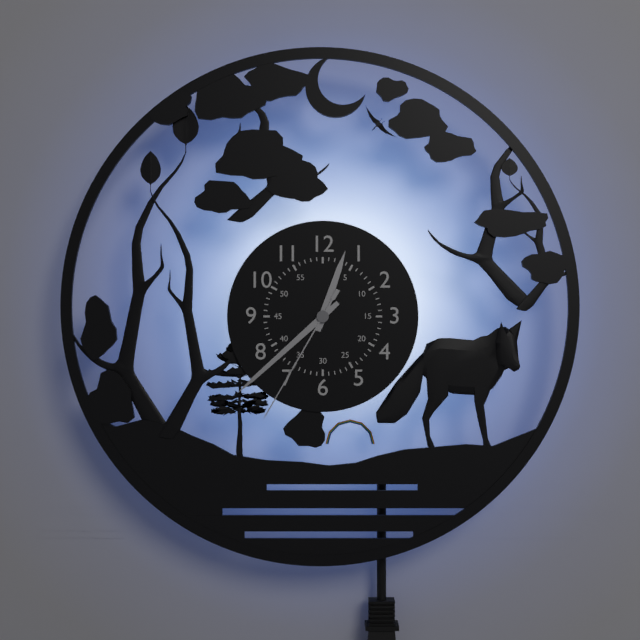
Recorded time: 12:38:35
